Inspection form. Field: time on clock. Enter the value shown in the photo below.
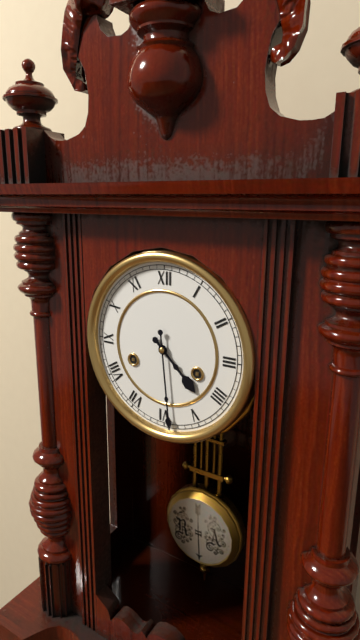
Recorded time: 4:29
